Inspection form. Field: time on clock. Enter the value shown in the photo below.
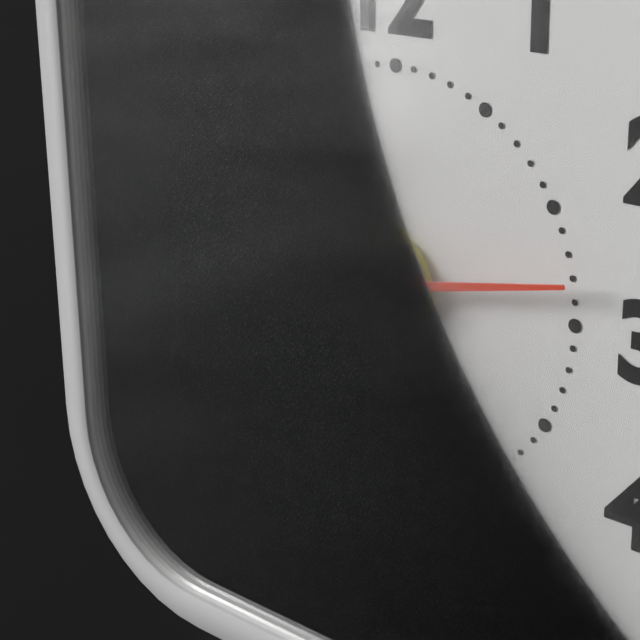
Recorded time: 7:45:13
